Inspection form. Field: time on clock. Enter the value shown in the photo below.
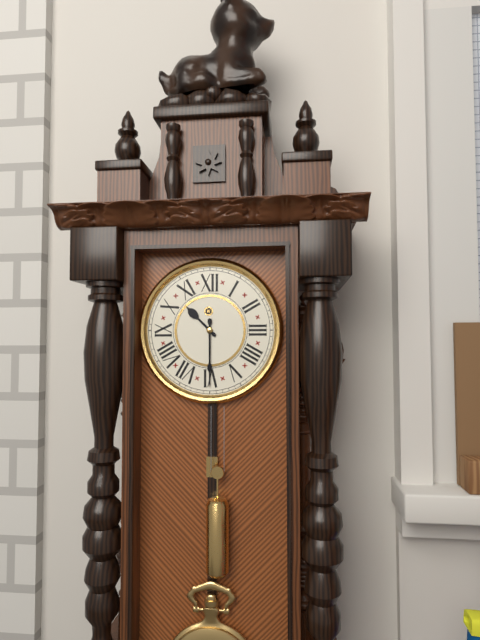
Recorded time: 10:30
